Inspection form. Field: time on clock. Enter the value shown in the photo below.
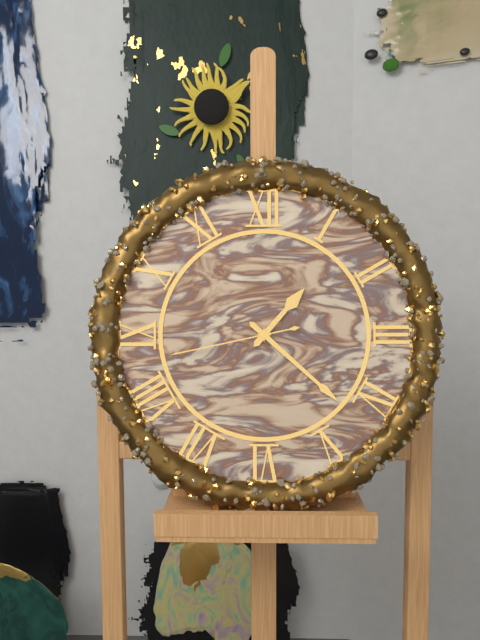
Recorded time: 1:22:43
